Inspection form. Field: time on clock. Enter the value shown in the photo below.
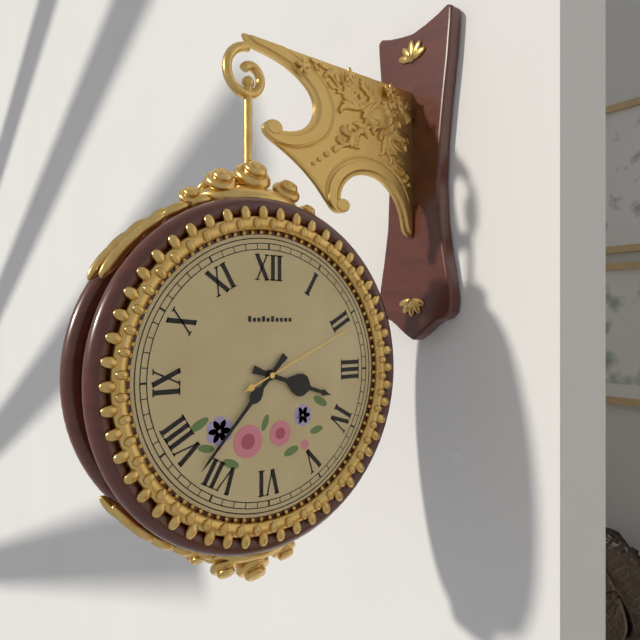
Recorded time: 3:37:11
